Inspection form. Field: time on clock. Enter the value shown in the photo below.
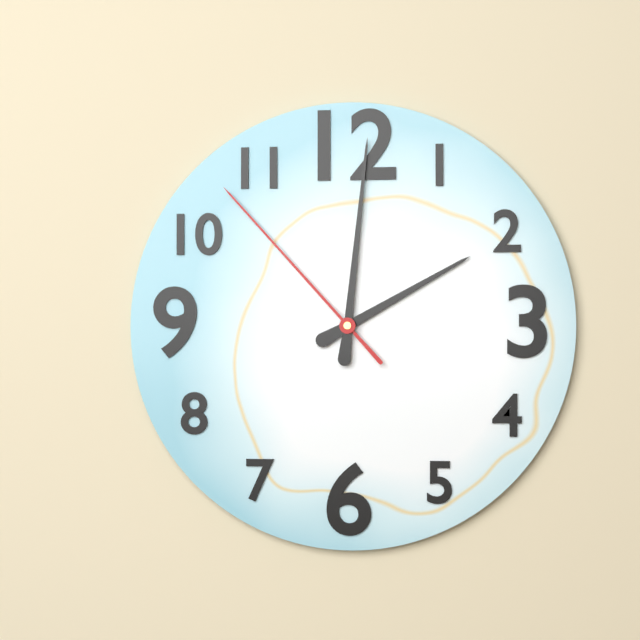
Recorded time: 2:01:53
